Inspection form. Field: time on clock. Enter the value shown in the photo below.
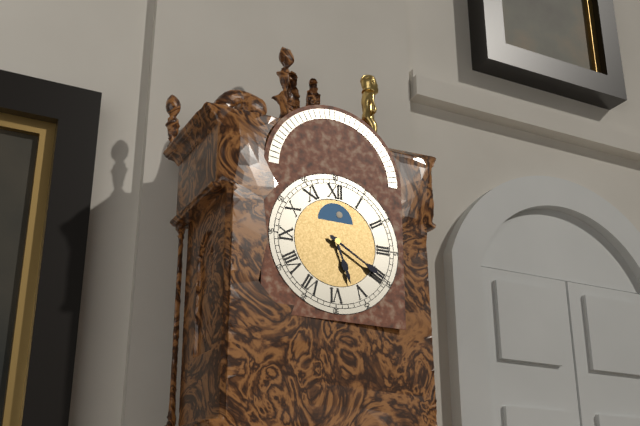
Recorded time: 5:20
